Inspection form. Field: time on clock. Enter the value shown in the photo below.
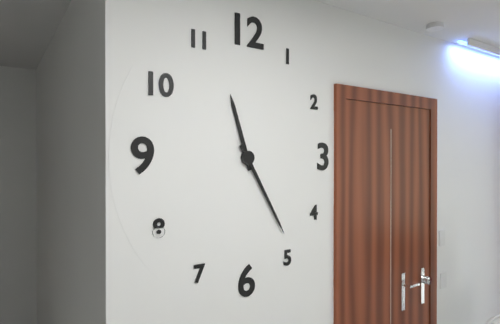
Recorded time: 11:25
